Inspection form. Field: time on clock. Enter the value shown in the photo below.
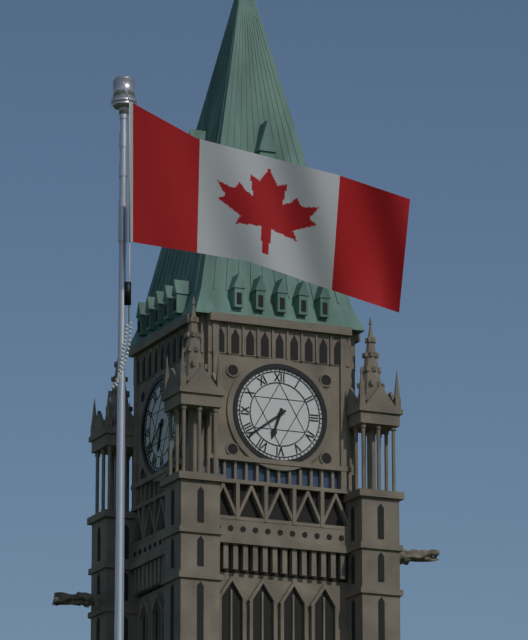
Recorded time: 6:39
